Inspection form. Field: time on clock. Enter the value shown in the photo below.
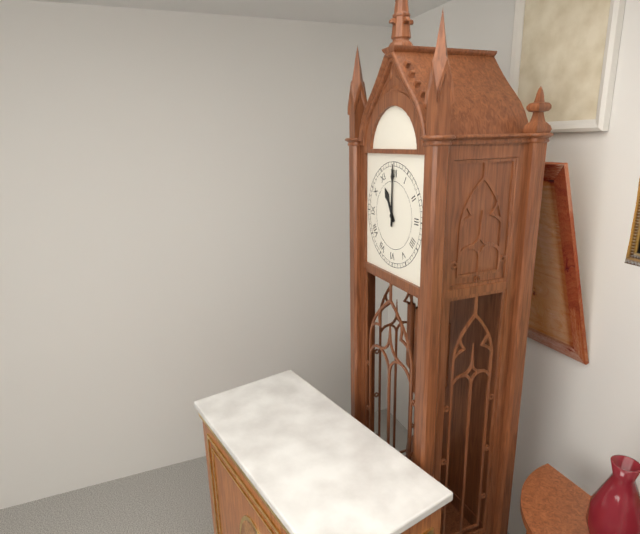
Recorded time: 11:00
